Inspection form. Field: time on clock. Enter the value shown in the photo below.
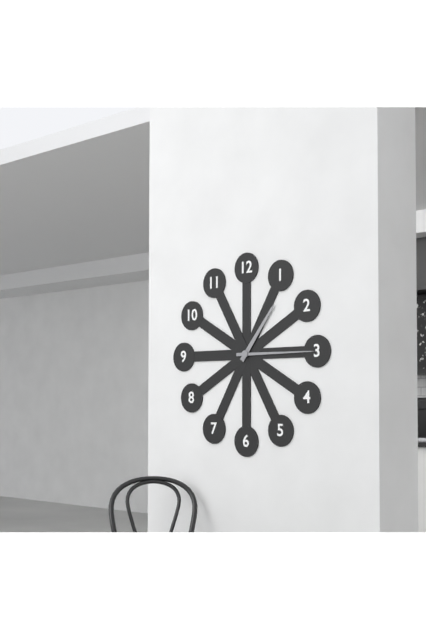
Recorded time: 1:15
